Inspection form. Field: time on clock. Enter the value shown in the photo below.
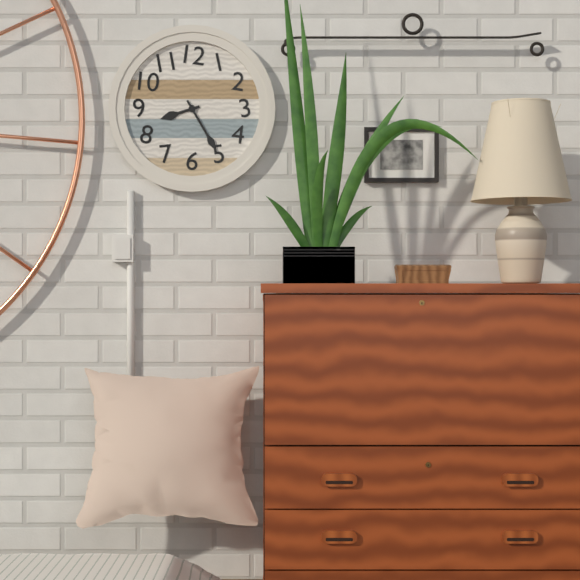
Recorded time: 8:25
